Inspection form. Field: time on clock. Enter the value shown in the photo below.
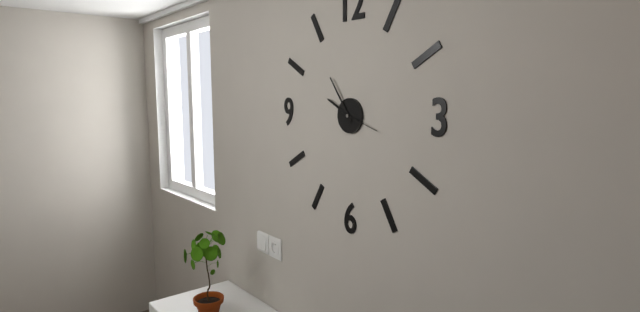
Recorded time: 9:54
